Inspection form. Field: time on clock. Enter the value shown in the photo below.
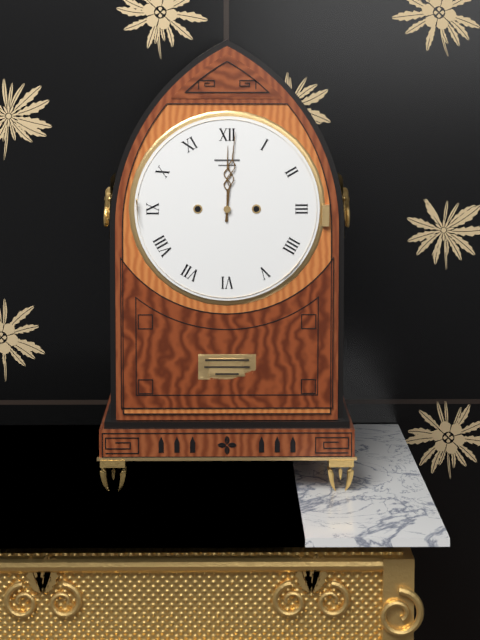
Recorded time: 12:01
